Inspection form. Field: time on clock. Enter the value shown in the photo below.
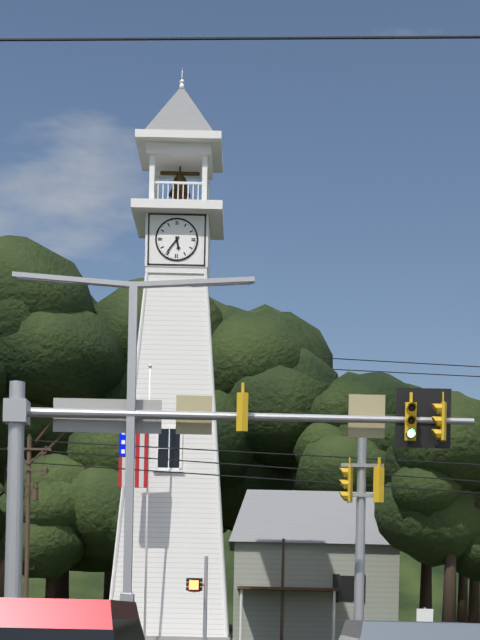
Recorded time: 5:36
